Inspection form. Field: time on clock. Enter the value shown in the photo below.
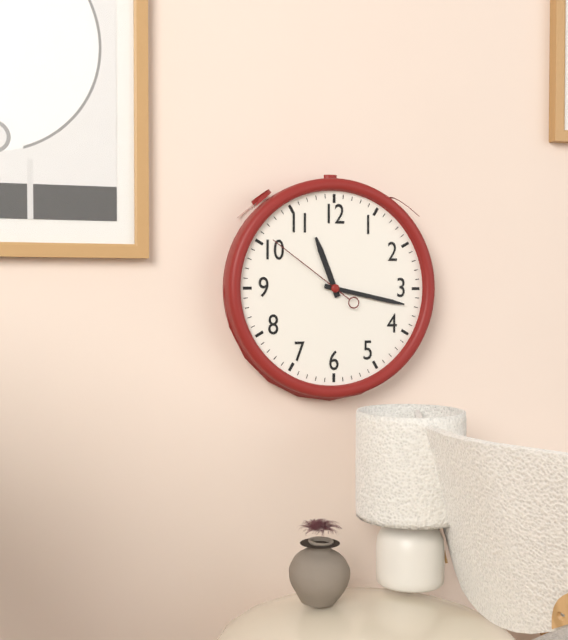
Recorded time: 11:17:51
